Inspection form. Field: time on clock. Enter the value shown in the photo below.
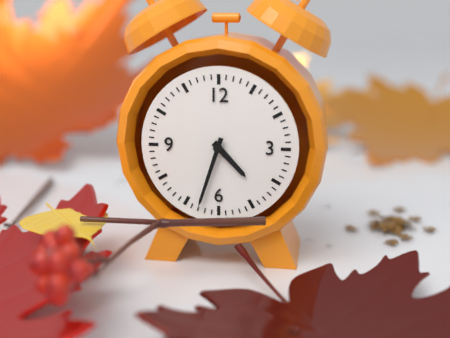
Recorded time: 4:33
